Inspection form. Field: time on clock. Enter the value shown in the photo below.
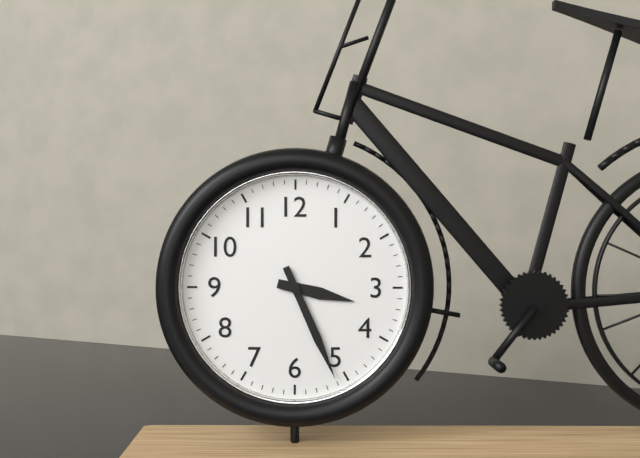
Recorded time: 3:26
